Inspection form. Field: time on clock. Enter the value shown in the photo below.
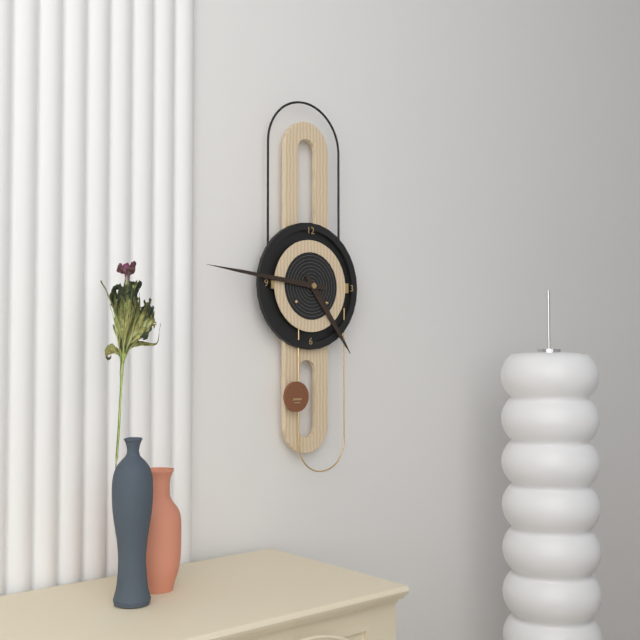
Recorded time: 4:46
